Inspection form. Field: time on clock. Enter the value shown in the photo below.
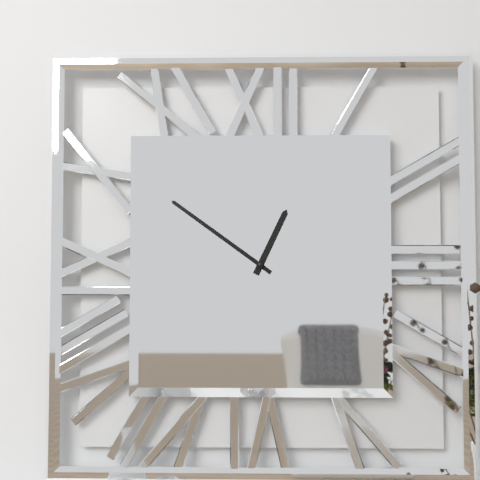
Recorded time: 12:51
